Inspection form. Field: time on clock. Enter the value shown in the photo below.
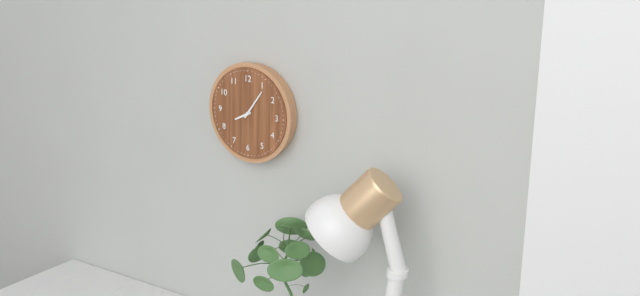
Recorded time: 8:06
